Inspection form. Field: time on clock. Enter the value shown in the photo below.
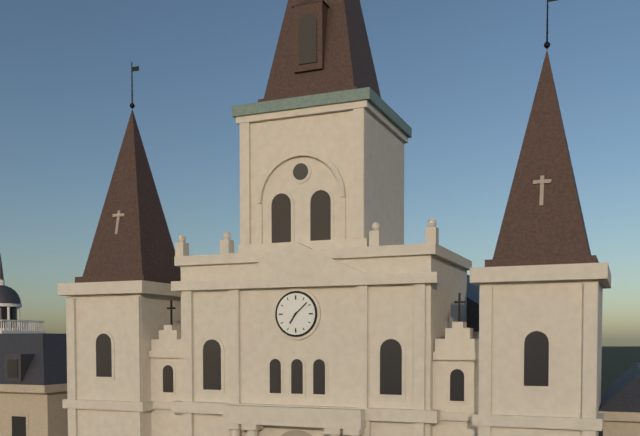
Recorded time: 7:08
